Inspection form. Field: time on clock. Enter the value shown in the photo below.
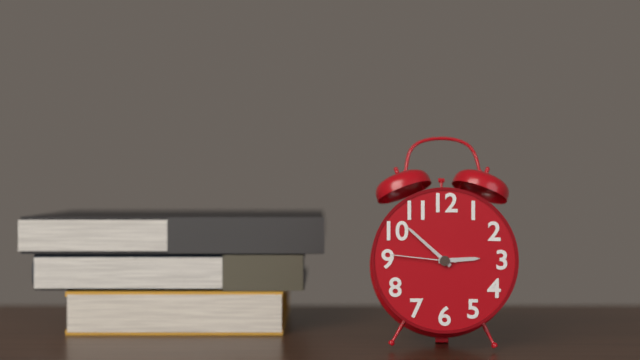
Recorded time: 2:52:46
